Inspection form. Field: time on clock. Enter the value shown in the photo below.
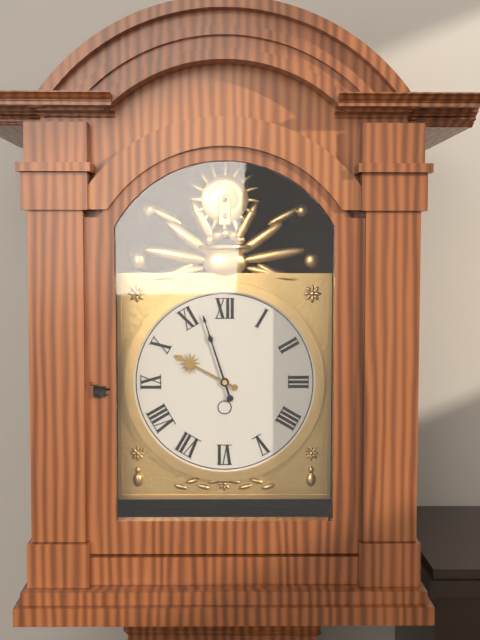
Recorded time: 9:57
